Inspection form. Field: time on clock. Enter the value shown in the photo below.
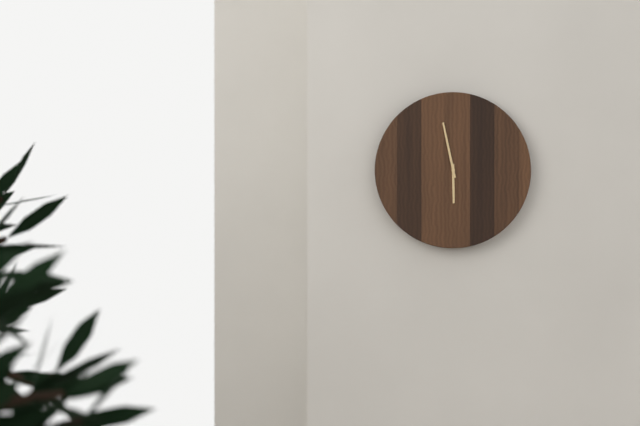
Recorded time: 5:58
